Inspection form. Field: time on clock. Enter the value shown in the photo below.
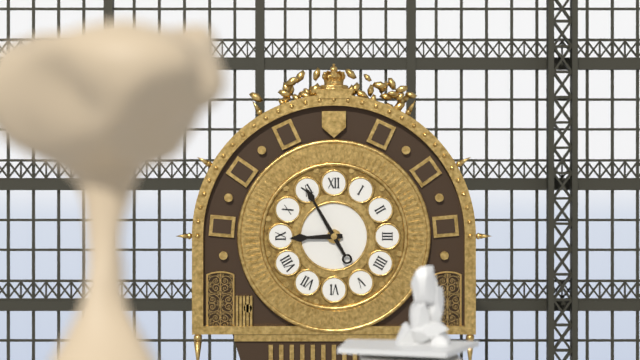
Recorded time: 8:55
